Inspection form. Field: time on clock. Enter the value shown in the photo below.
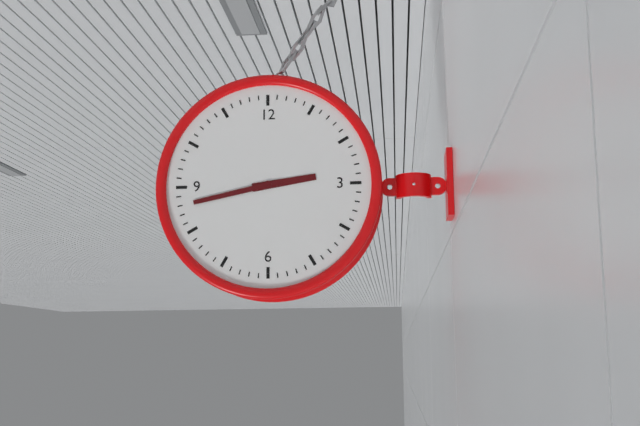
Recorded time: 2:43
